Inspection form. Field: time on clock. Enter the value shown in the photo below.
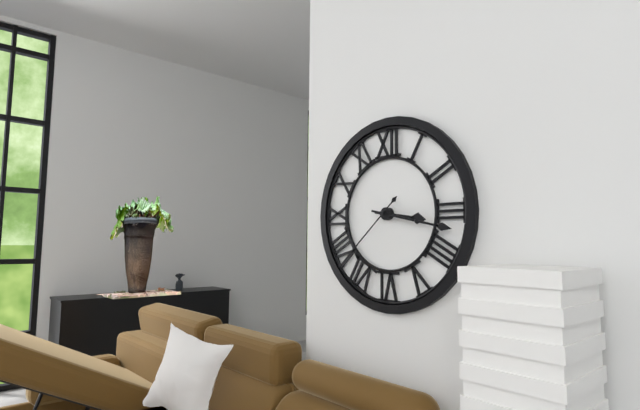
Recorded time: 3:17:38
